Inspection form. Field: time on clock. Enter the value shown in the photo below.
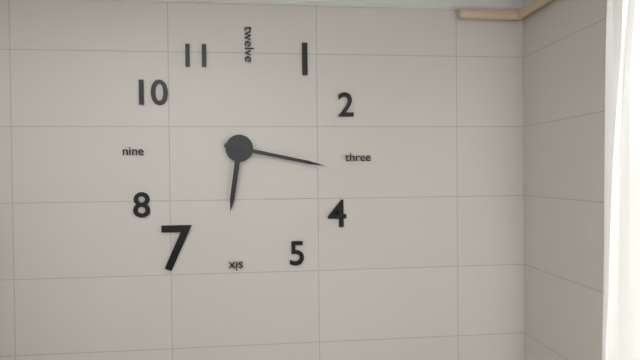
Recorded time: 6:17
